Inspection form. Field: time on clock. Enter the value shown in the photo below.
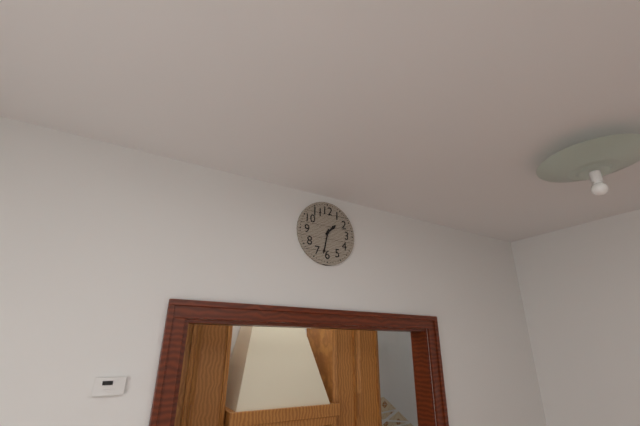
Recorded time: 1:32
